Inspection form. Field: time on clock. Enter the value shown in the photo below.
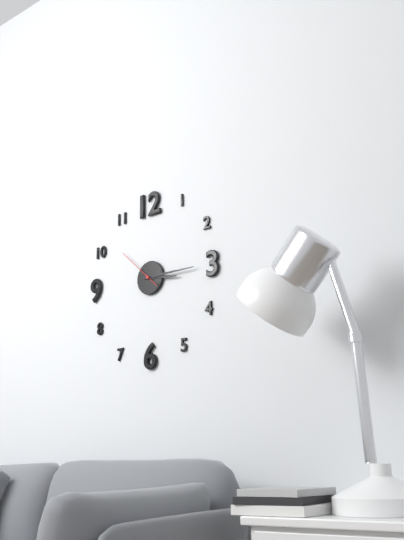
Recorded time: 3:15
